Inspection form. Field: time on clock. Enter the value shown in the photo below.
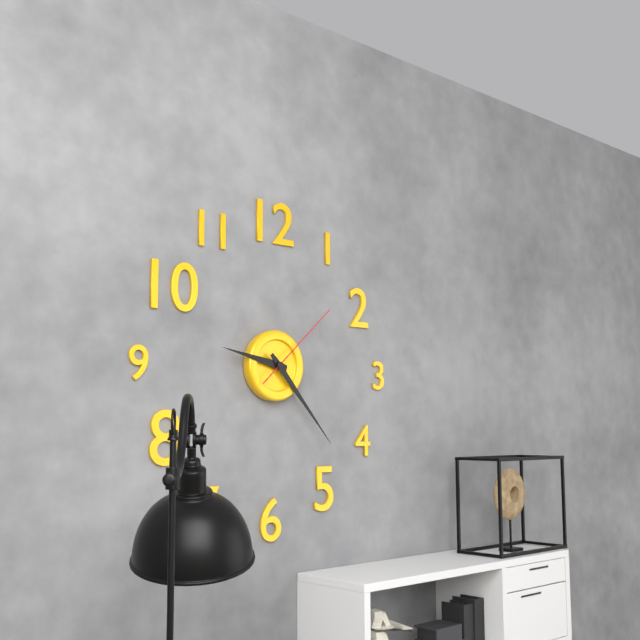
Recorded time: 9:23:08
